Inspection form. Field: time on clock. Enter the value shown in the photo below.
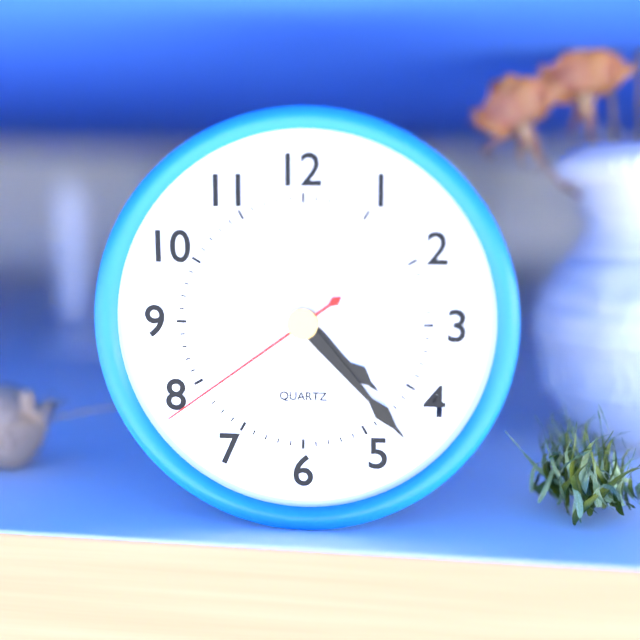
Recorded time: 4:23:39
